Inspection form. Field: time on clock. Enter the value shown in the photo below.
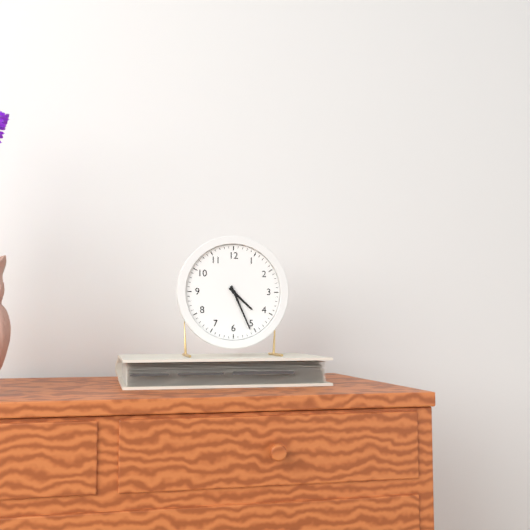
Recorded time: 4:26
